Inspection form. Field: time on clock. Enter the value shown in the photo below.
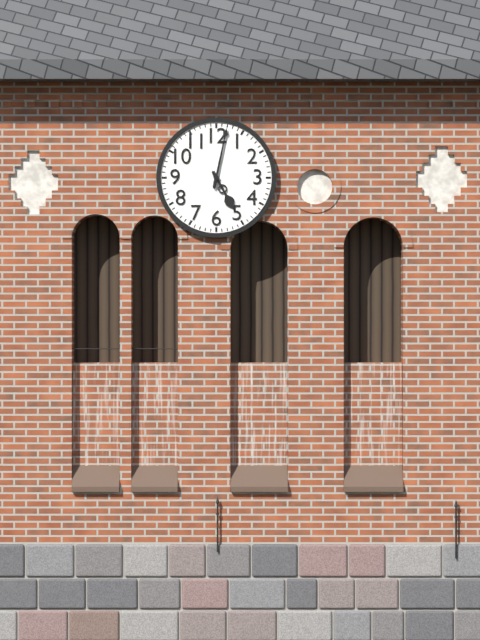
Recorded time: 5:02
